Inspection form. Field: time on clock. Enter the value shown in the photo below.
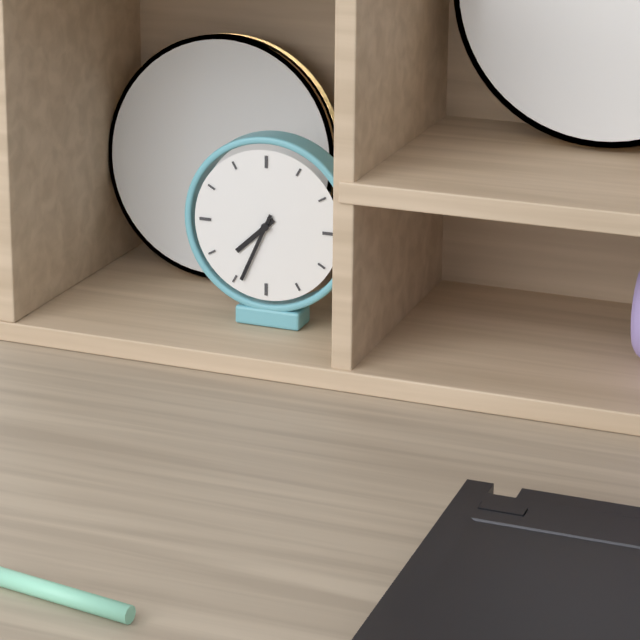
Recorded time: 7:34
